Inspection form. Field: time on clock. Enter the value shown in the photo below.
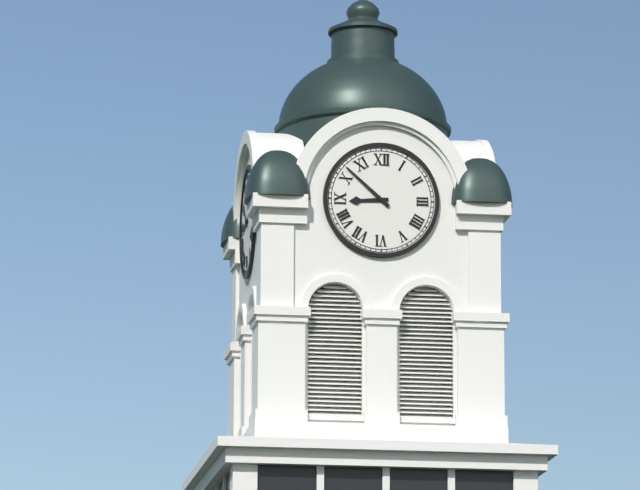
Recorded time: 8:52
